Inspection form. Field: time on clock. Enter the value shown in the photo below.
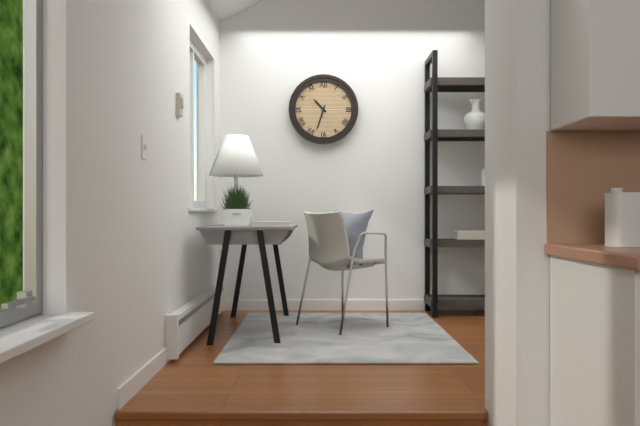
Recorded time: 10:33
